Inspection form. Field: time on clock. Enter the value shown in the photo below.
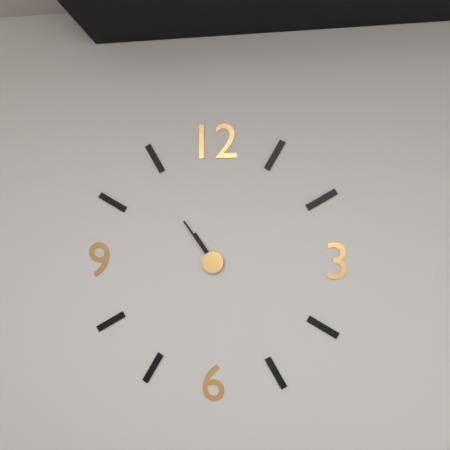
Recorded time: 10:54
